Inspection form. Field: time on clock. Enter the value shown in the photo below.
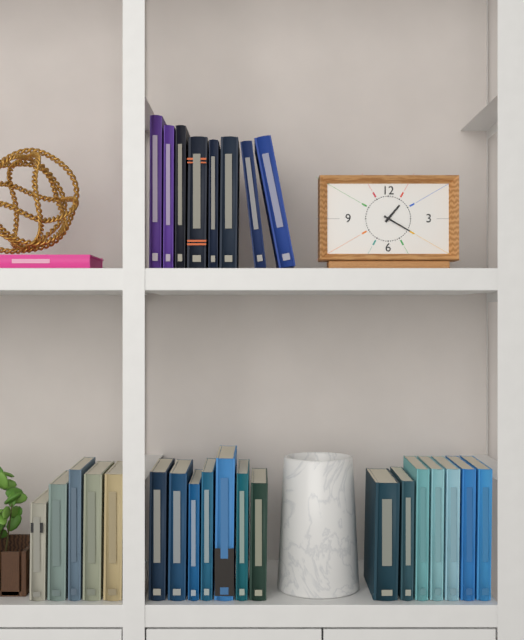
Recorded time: 1:20
